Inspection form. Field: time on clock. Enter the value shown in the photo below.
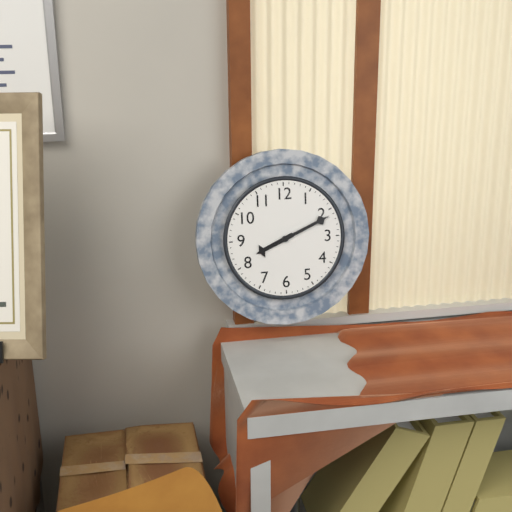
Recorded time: 8:11
